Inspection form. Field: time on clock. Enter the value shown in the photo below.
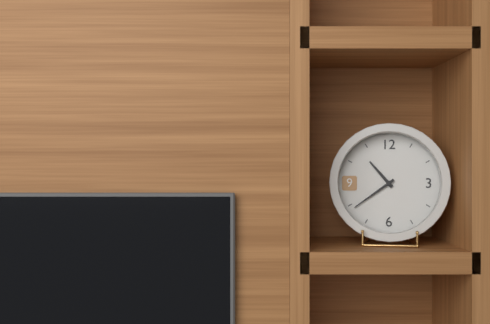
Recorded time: 10:39
